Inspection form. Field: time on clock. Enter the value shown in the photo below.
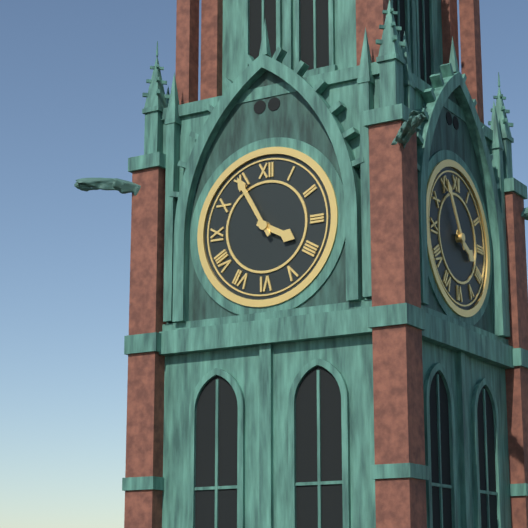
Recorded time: 3:55
